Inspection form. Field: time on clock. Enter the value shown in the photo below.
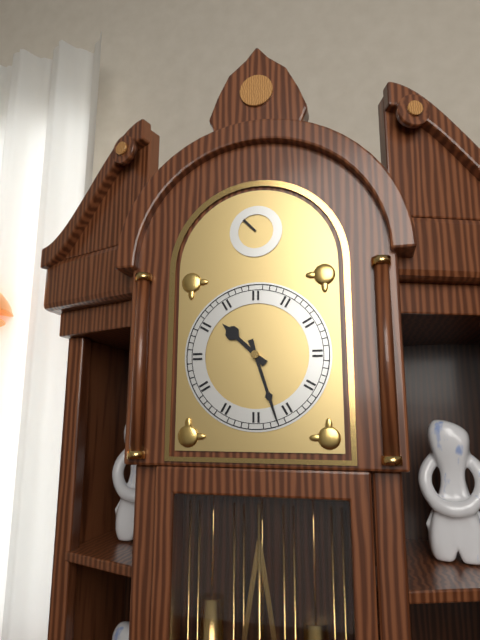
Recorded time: 10:27
